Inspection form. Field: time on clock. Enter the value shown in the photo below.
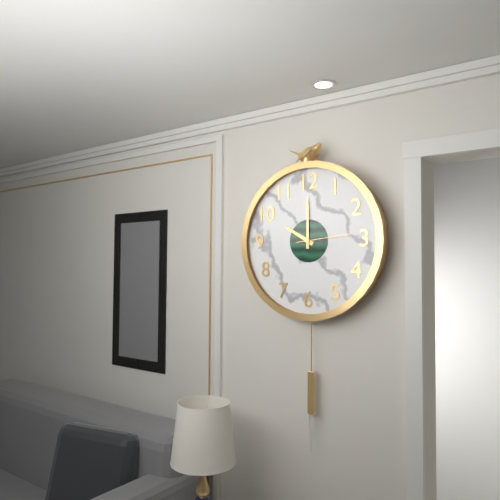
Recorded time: 10:00:14
